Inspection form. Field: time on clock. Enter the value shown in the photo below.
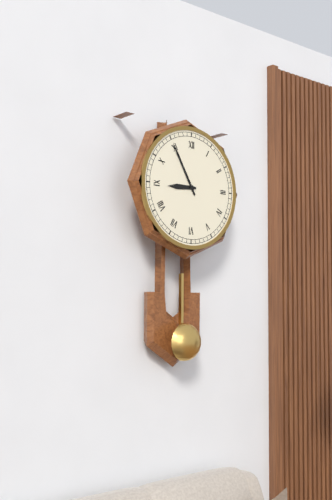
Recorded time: 8:55
